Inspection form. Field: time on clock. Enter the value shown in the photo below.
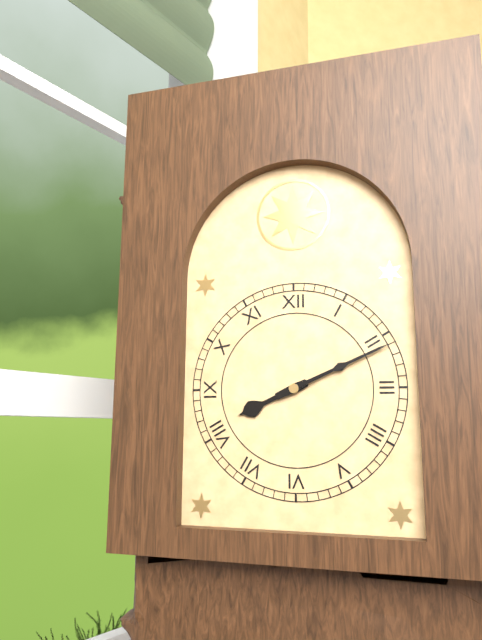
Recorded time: 8:11
